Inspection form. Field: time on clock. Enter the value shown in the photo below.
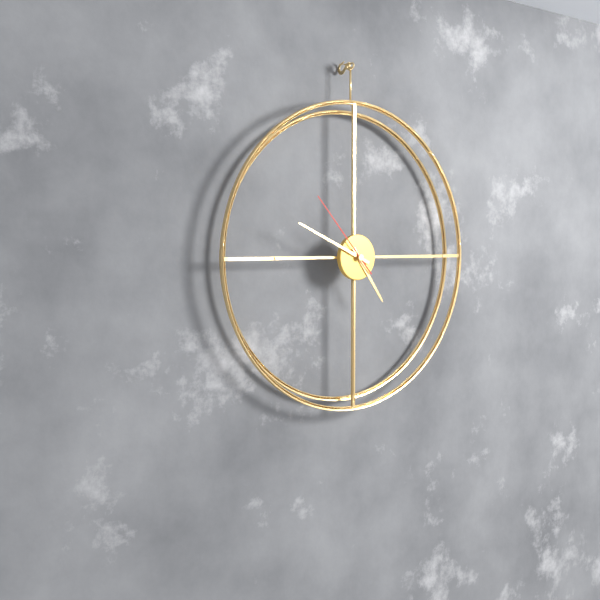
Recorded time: 4:49:53
